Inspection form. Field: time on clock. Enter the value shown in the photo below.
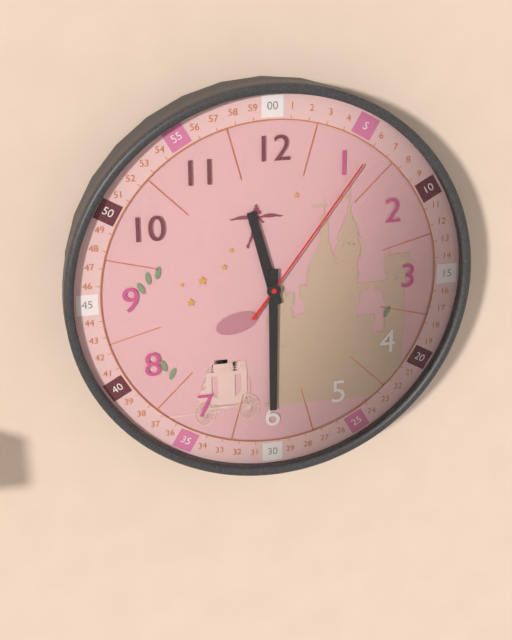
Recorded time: 11:30:06
